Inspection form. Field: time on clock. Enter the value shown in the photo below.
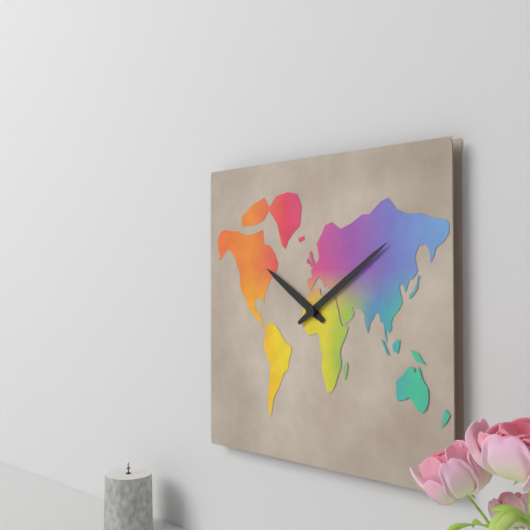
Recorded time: 10:09
